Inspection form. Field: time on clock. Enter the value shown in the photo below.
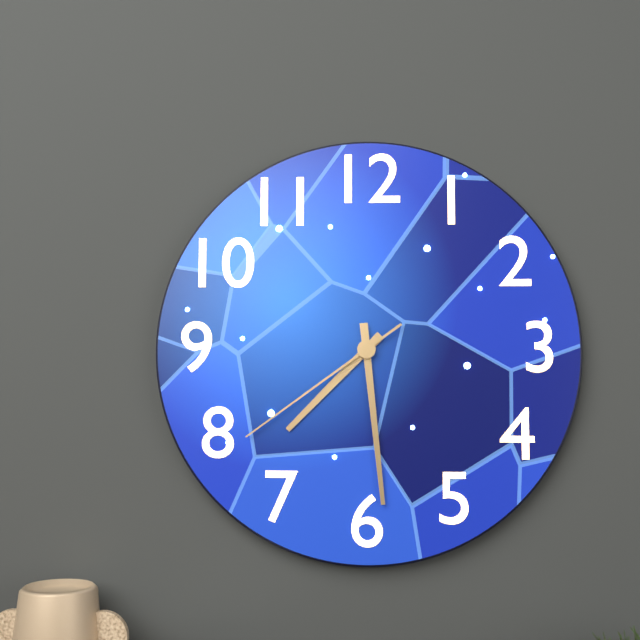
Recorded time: 7:29:39
